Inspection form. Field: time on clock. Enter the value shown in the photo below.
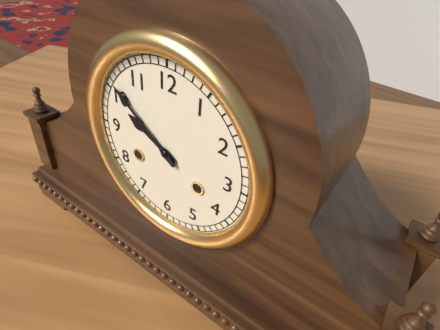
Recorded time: 9:51
